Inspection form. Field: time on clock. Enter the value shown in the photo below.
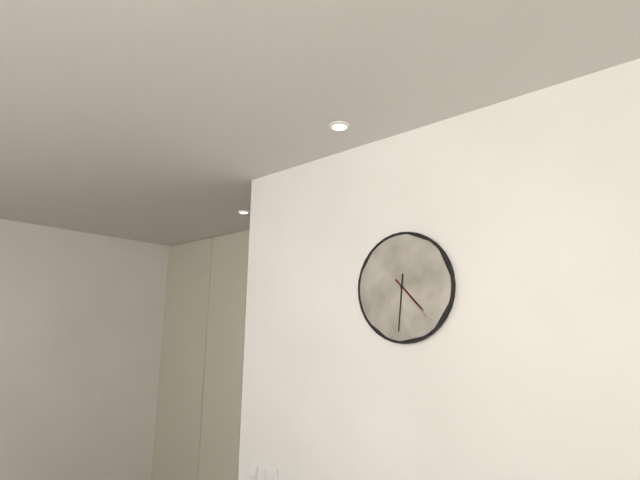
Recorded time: 4:31
